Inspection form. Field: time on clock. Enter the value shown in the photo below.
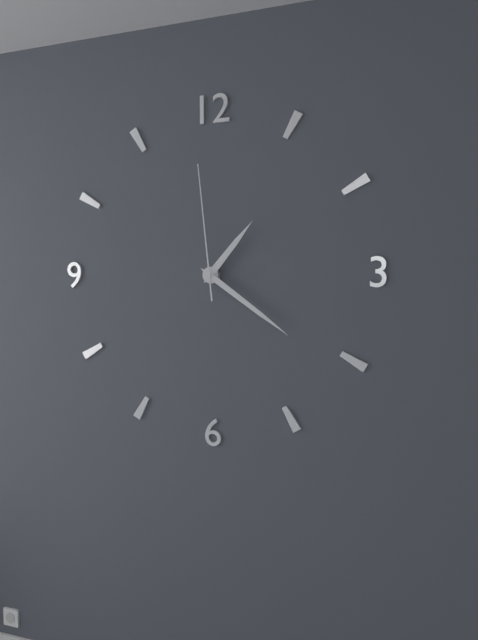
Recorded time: 1:21:59
